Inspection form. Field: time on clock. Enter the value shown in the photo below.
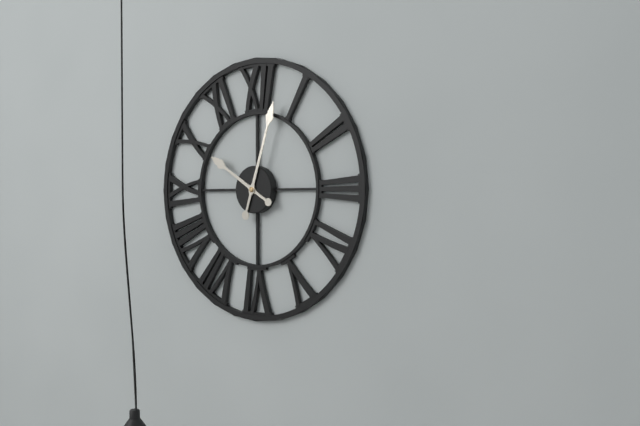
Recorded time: 10:03
